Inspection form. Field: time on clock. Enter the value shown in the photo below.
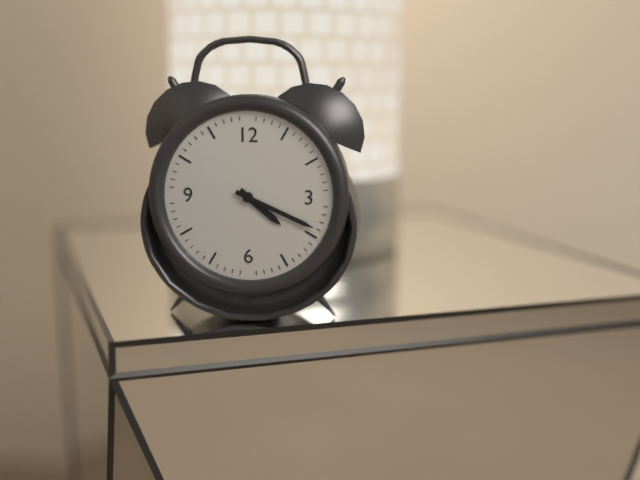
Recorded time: 4:19
